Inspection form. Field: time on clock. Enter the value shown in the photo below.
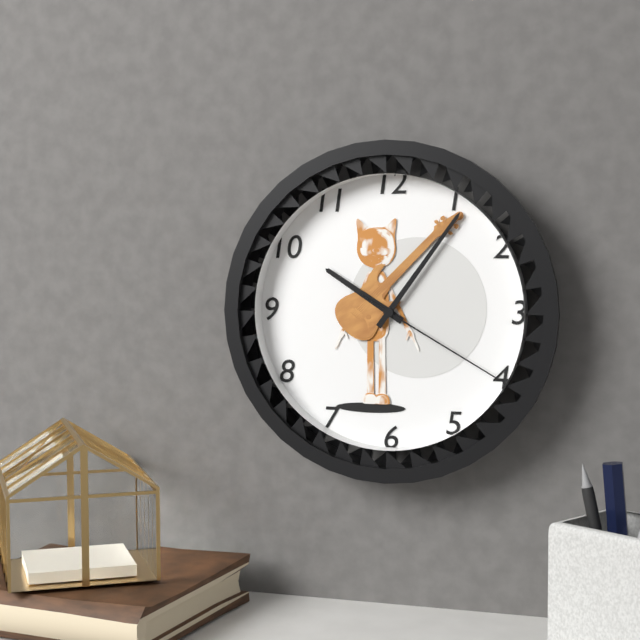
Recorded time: 10:06:20
